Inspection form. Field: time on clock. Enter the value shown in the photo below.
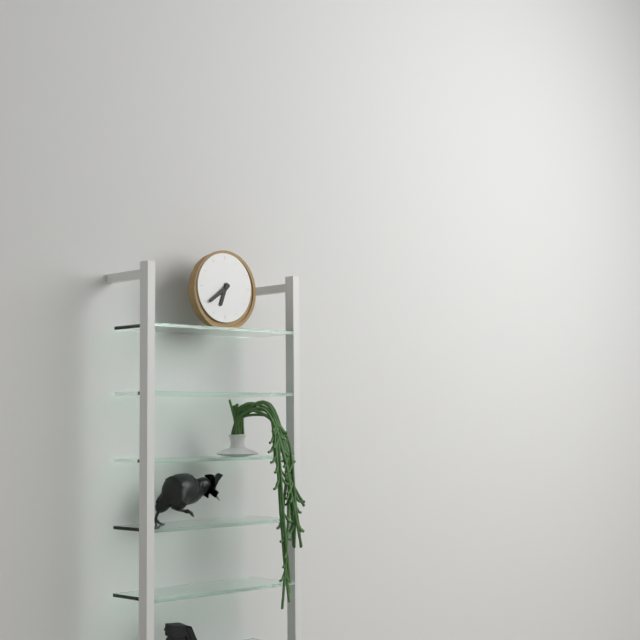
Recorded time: 6:39
